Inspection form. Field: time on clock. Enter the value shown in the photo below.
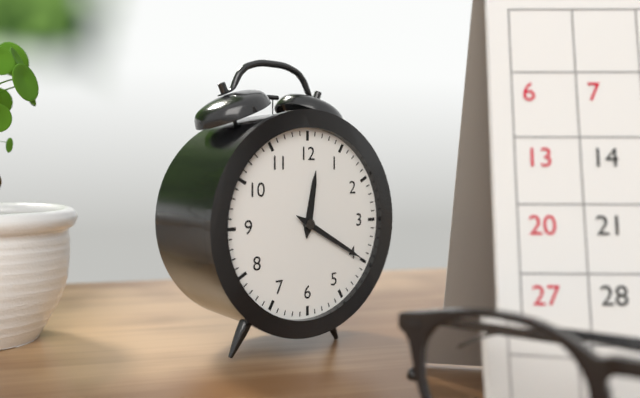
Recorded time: 12:20
